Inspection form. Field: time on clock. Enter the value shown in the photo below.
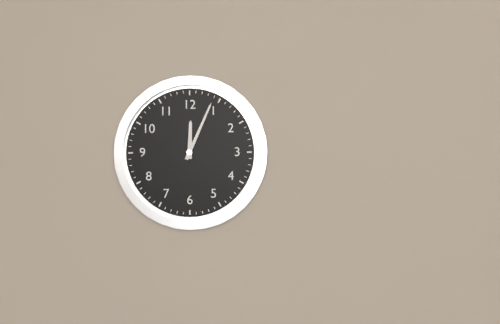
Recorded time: 12:04
